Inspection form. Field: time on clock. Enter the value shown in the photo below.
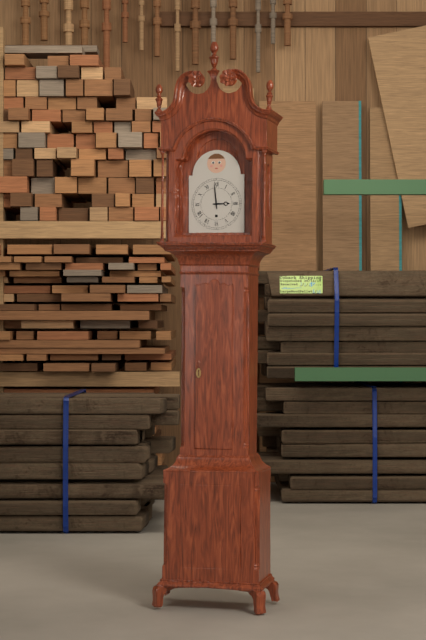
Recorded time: 2:59
